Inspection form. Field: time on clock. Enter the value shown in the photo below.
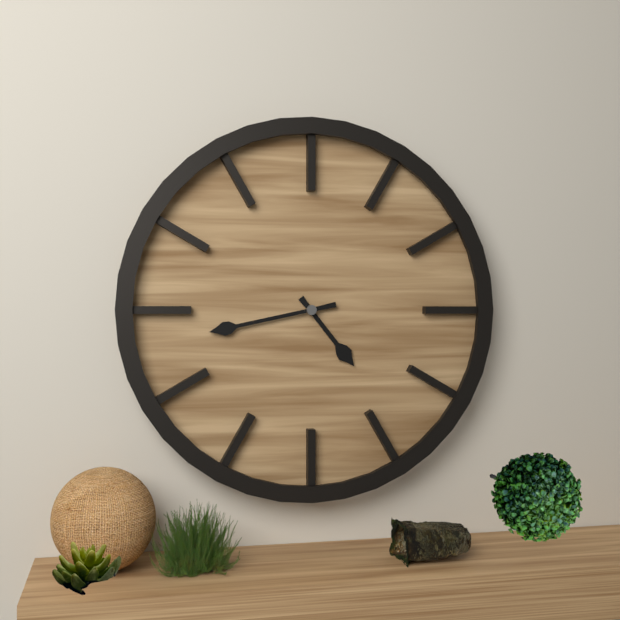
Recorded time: 4:43
